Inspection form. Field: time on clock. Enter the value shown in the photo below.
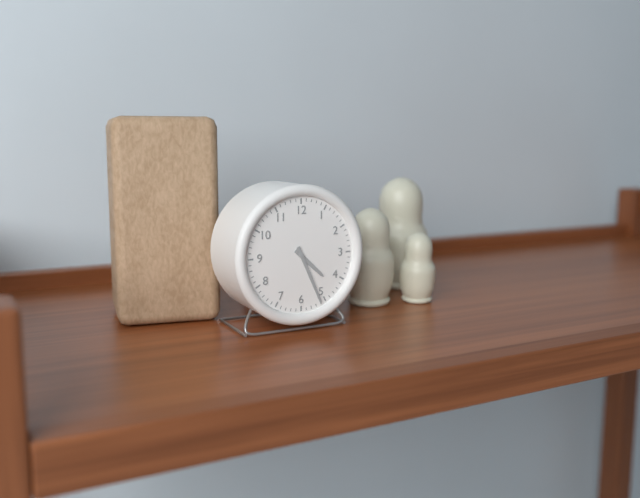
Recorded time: 4:26
